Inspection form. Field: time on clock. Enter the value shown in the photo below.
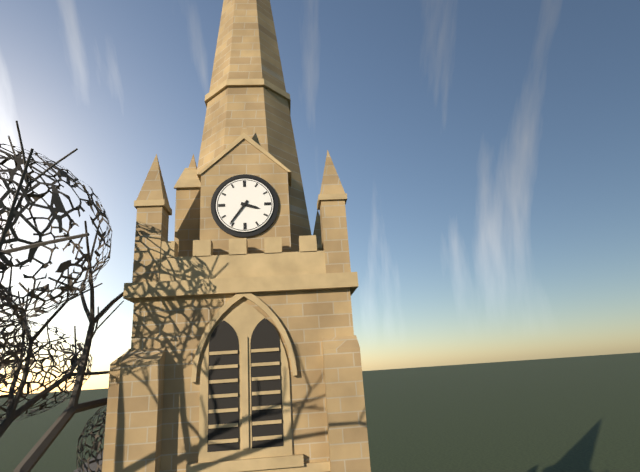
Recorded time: 3:36
